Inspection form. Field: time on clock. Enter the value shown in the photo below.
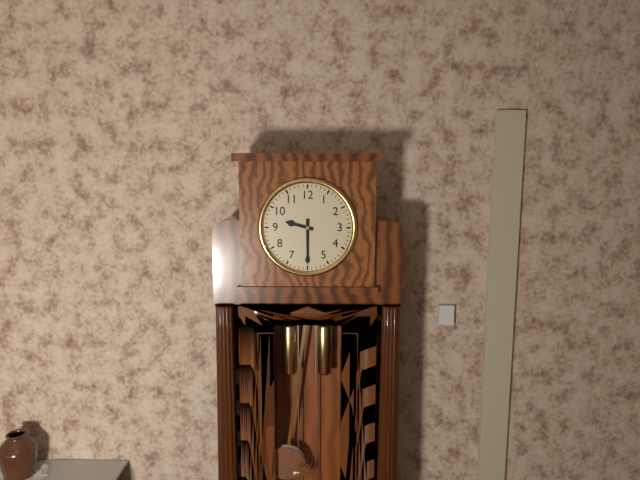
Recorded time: 9:30
